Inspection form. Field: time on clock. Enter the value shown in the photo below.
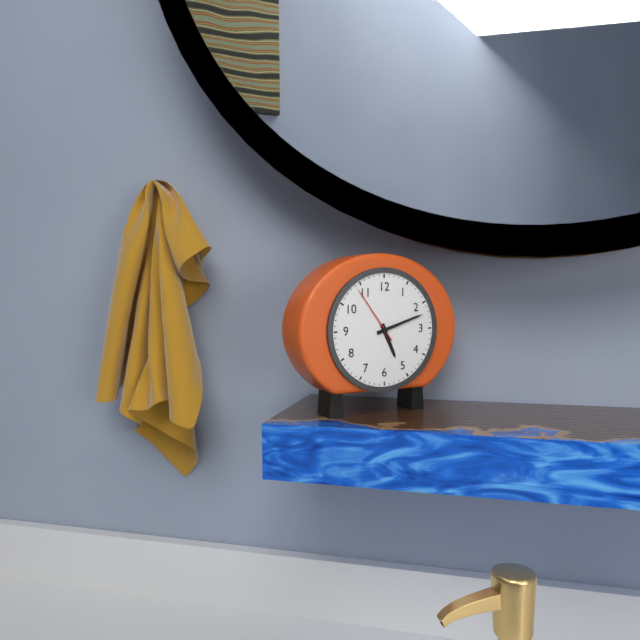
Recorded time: 5:12:54
